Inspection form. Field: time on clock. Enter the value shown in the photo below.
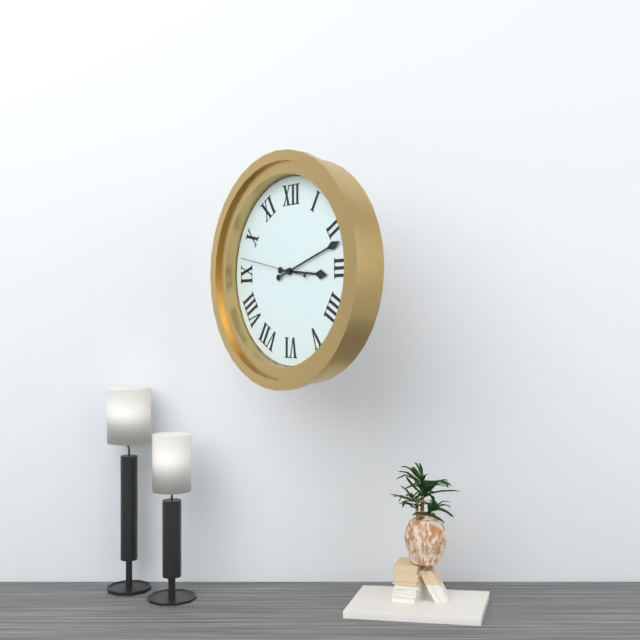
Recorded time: 3:12:47
